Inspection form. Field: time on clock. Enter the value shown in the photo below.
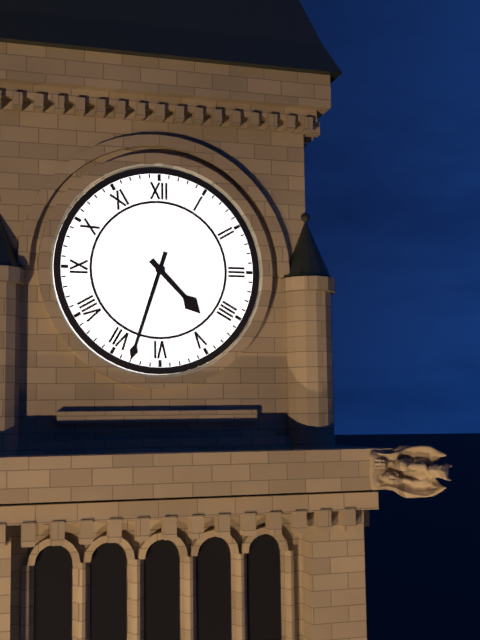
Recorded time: 4:33
